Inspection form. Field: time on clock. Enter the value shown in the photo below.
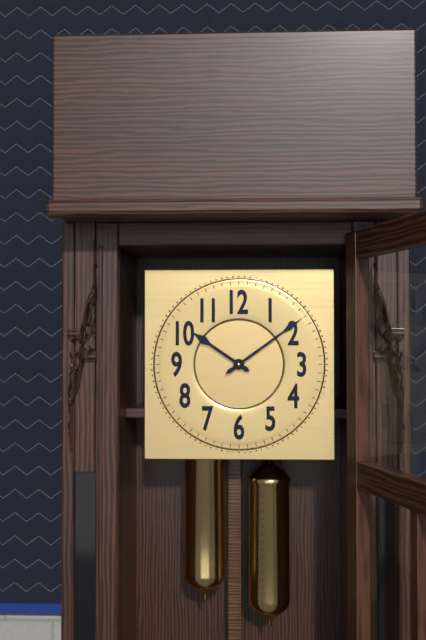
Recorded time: 10:09
